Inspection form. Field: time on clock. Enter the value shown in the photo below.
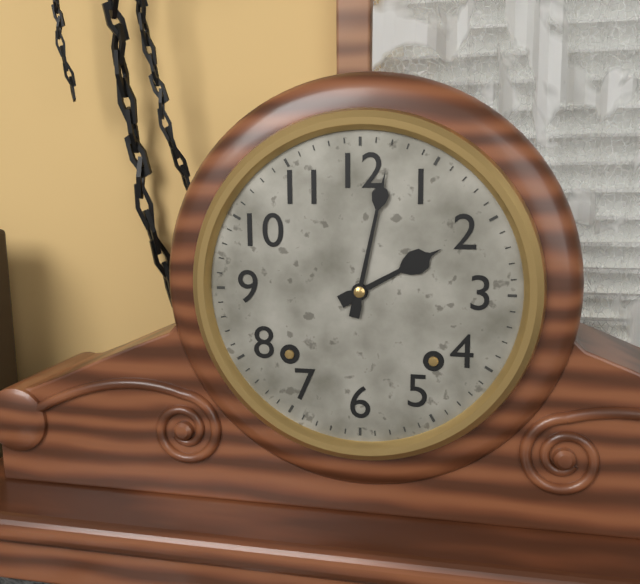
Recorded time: 2:02
